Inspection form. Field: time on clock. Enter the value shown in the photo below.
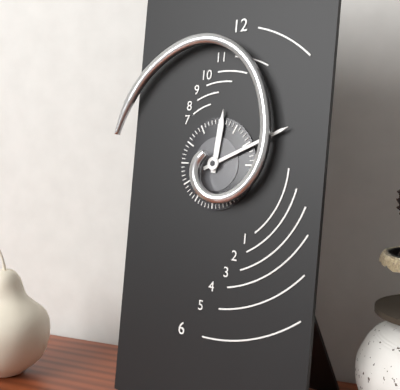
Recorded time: 12:11
